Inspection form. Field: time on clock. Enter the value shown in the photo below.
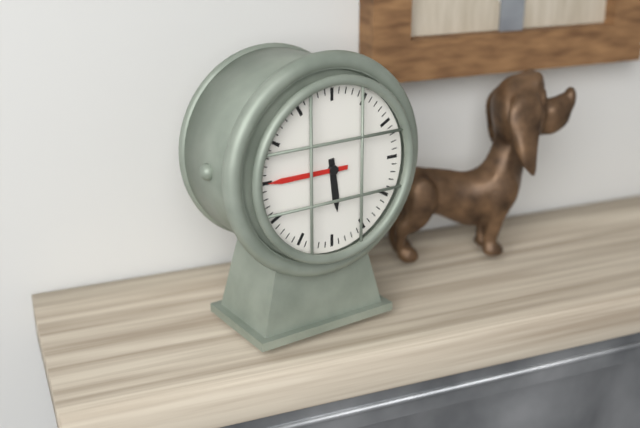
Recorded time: 5:45
